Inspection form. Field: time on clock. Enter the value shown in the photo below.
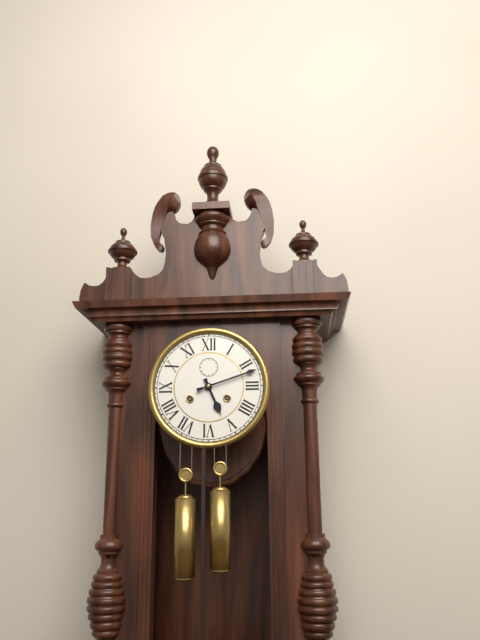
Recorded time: 5:12
